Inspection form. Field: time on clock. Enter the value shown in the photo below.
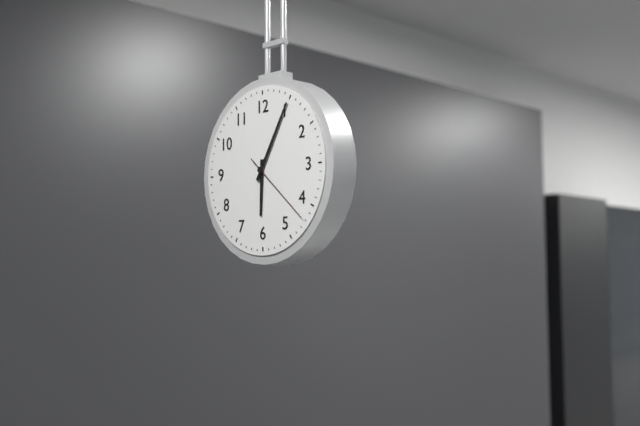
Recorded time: 6:05:22
